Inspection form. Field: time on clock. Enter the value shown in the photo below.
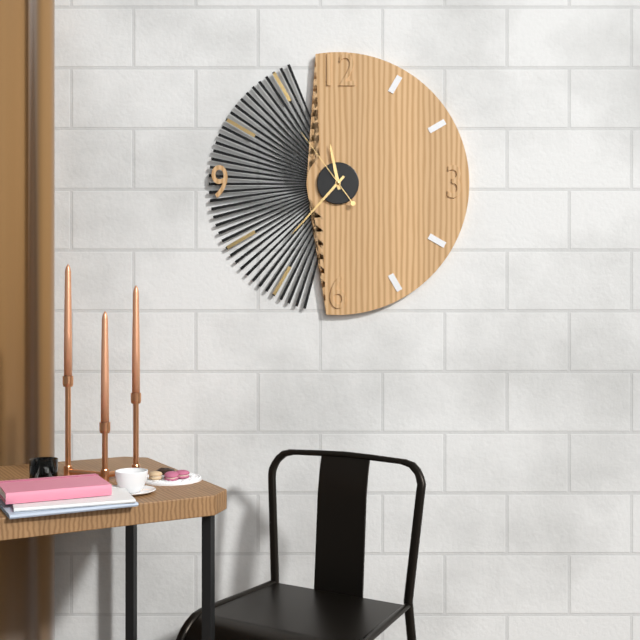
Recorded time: 11:37:54
